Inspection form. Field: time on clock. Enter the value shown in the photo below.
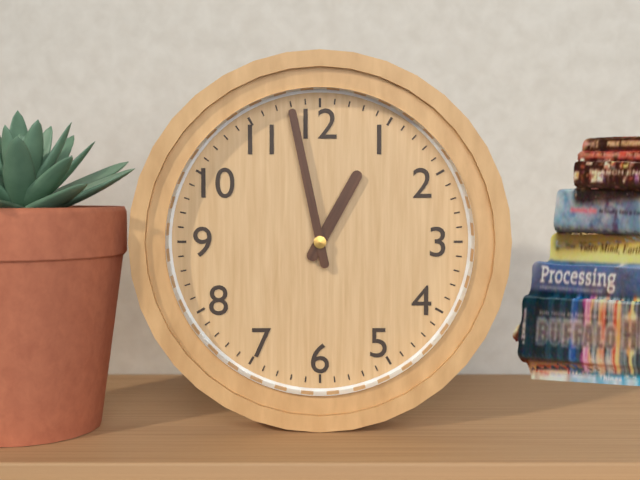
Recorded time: 12:58
